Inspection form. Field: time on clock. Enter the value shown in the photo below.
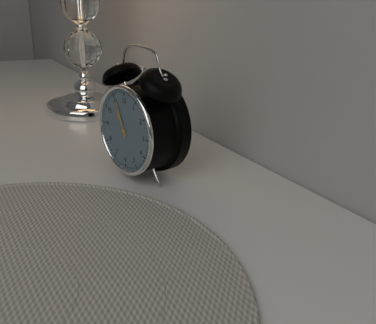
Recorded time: 10:56
